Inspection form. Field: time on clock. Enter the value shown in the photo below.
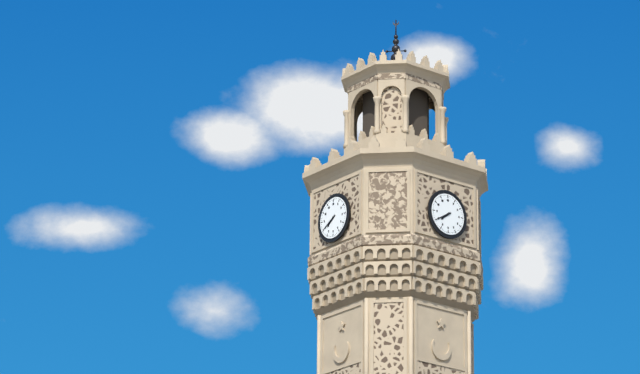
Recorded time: 7:40
